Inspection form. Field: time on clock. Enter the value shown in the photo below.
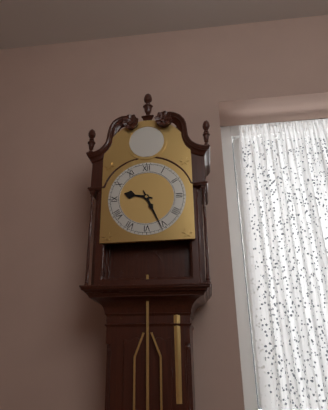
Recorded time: 9:26
